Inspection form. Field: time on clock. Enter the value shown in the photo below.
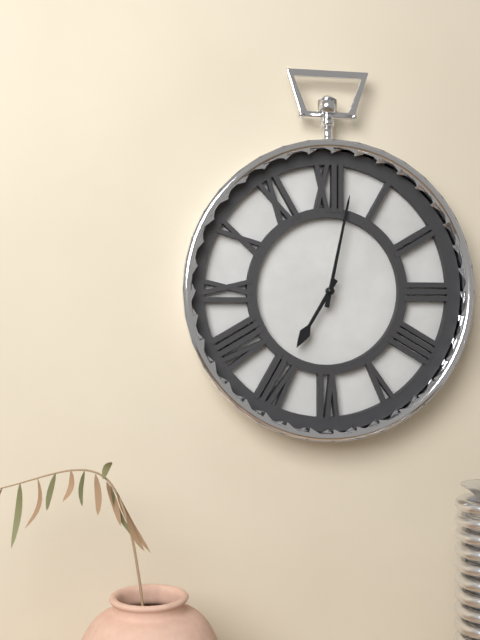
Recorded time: 7:02
